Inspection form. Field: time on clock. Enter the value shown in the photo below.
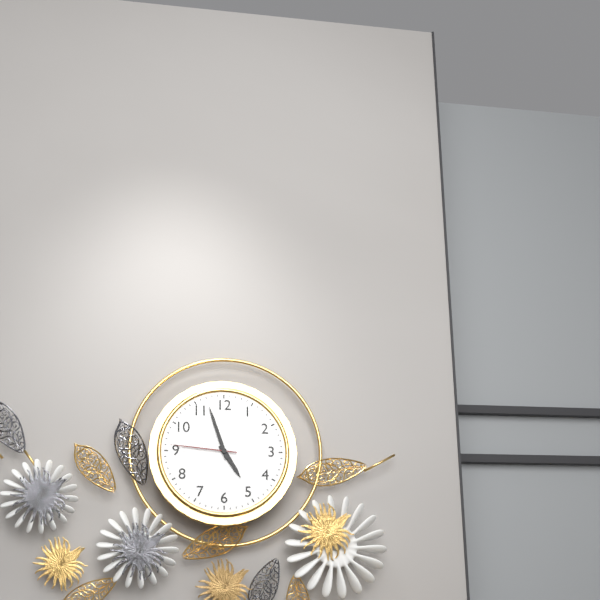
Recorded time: 4:57:46
